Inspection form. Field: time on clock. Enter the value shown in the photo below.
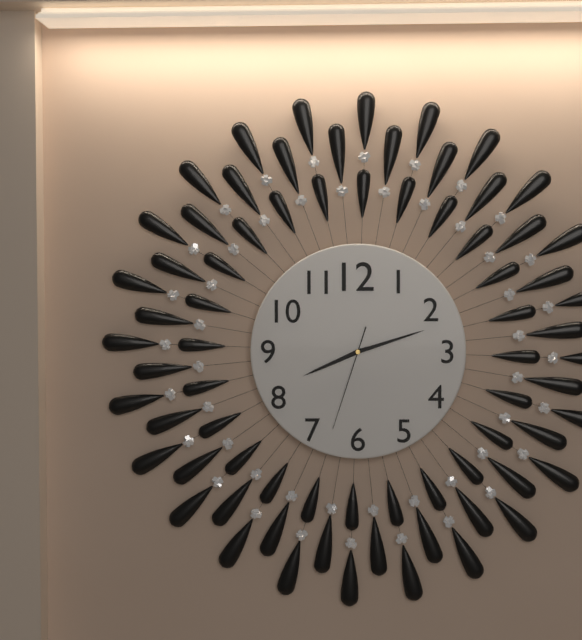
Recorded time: 8:12:33
